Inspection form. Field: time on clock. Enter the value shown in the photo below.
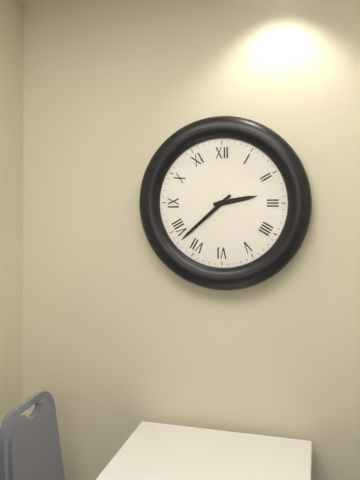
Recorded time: 2:38
